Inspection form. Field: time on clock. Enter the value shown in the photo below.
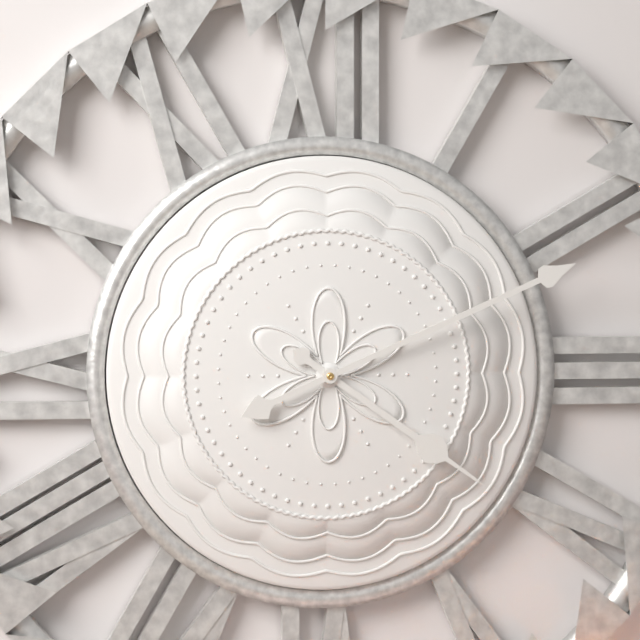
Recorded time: 4:11
